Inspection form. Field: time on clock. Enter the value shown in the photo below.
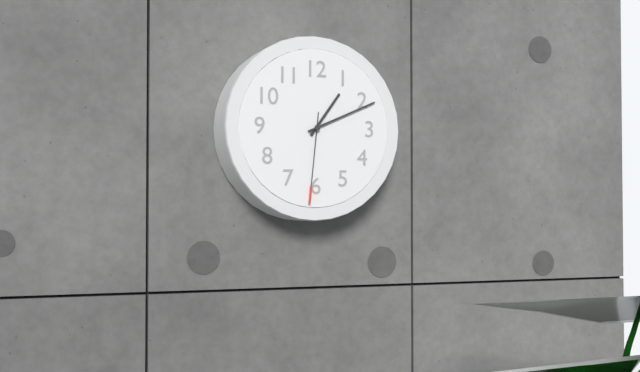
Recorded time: 1:11:31
